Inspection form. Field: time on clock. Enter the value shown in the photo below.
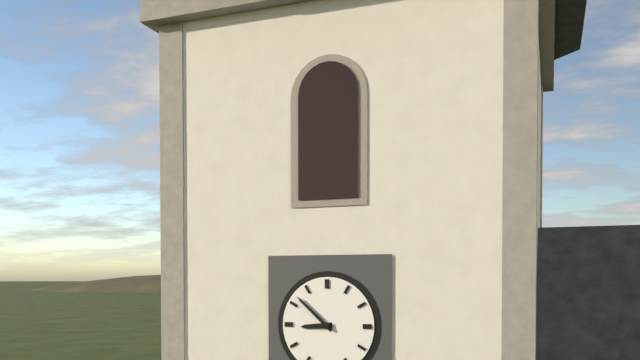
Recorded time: 8:52
